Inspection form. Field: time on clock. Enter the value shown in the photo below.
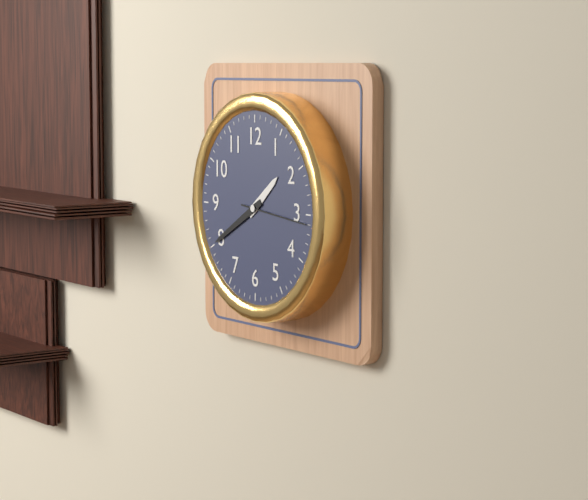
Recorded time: 1:40:16
